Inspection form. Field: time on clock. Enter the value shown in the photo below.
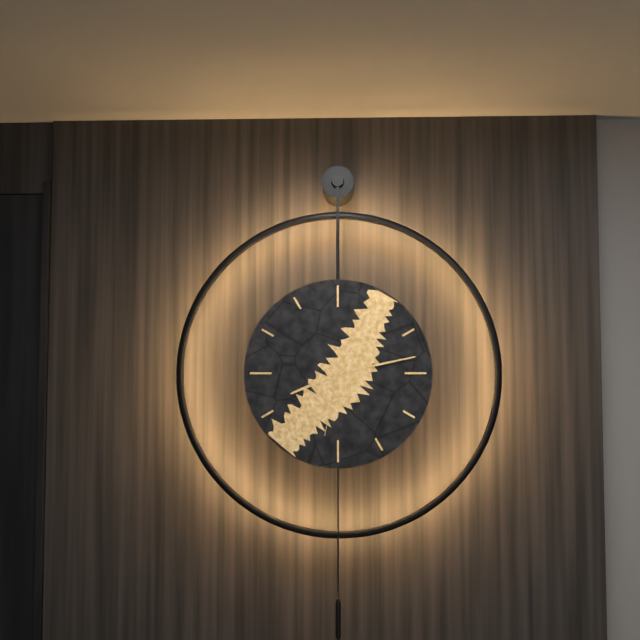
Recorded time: 8:13:32
